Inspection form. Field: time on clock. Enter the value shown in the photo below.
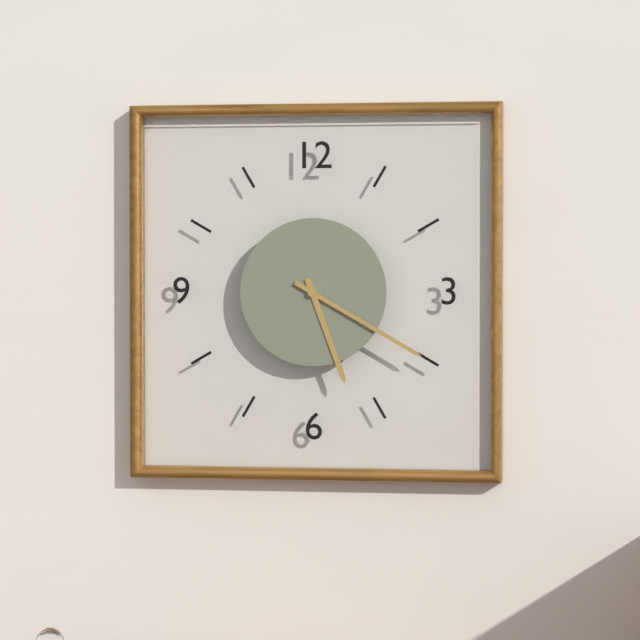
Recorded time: 5:20
